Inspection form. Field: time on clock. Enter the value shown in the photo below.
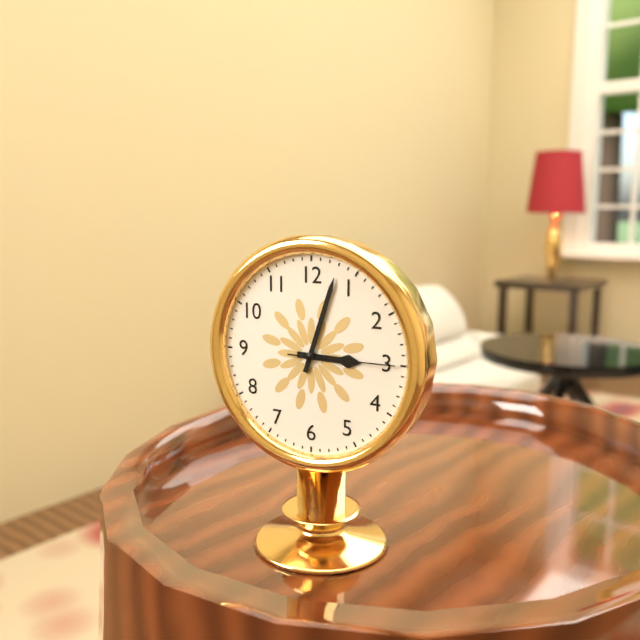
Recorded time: 3:03:15
